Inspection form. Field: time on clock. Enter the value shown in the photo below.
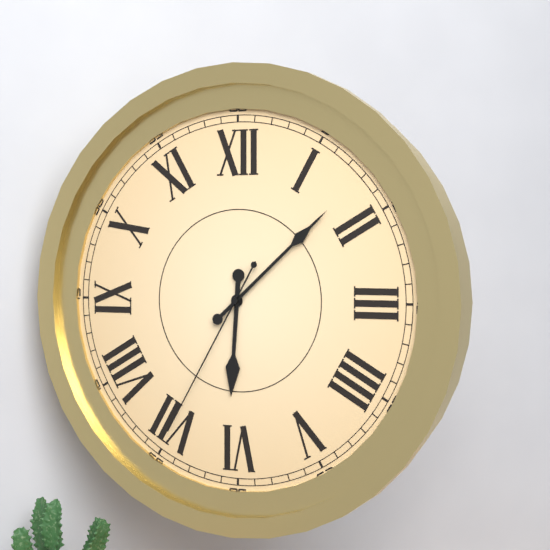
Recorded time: 6:08:35
